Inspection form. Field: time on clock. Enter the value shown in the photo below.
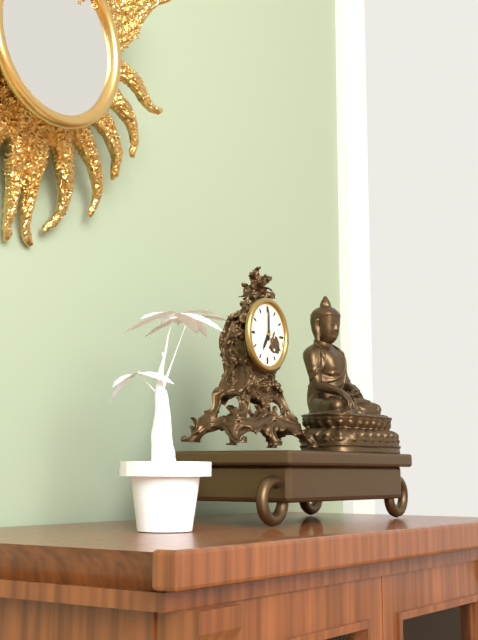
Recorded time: 7:00
